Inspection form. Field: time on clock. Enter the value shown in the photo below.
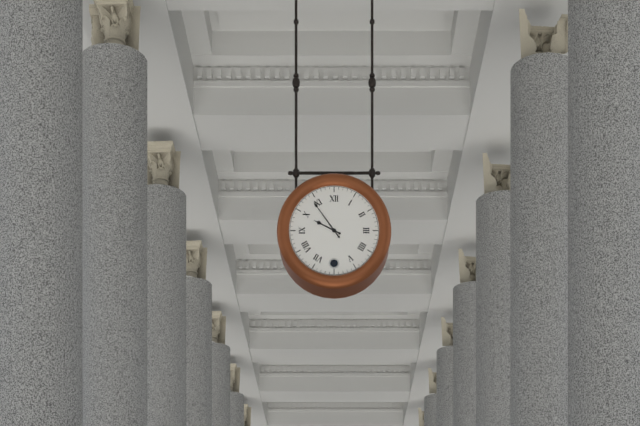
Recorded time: 9:54
